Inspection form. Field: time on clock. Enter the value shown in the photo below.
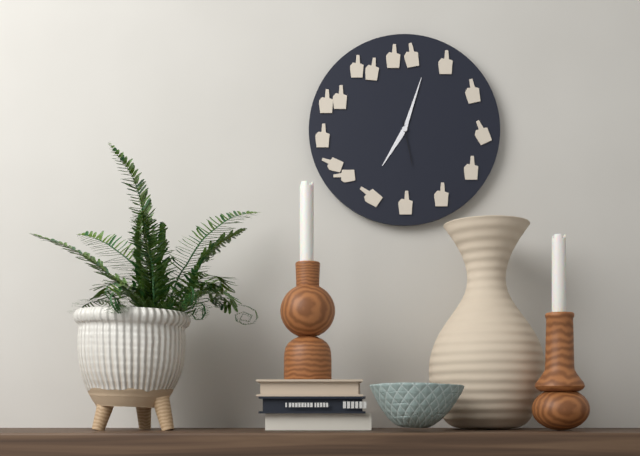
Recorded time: 7:03
